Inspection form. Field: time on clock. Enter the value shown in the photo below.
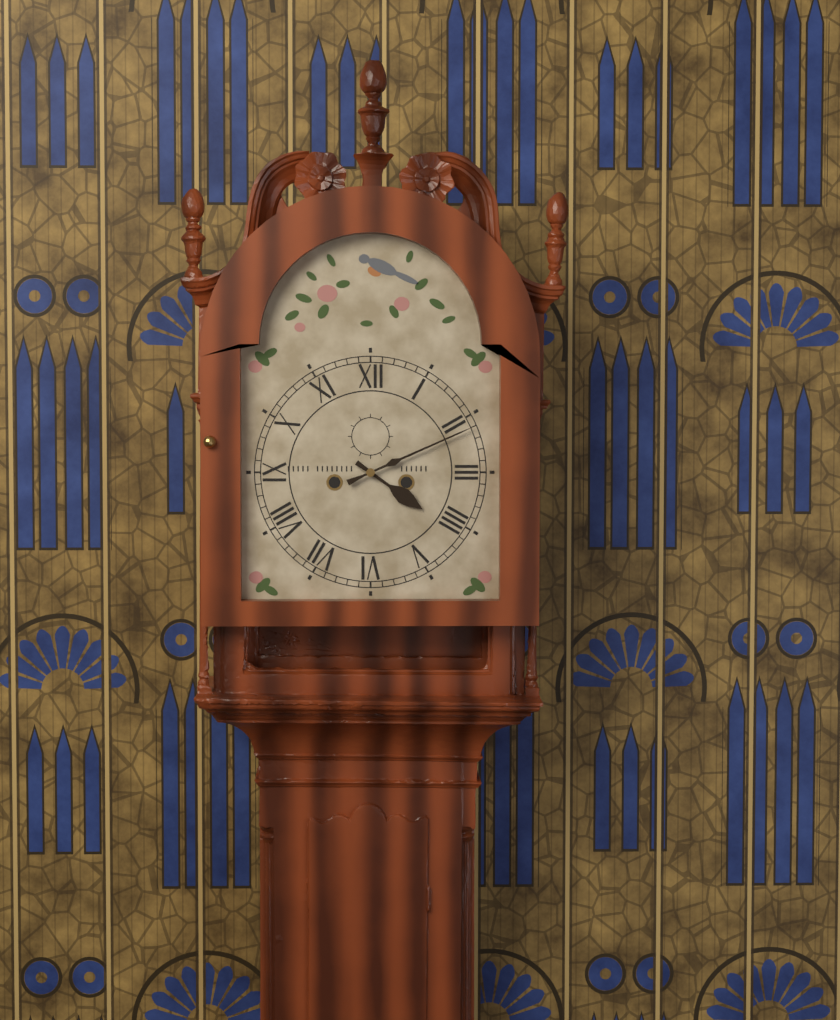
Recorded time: 4:11
